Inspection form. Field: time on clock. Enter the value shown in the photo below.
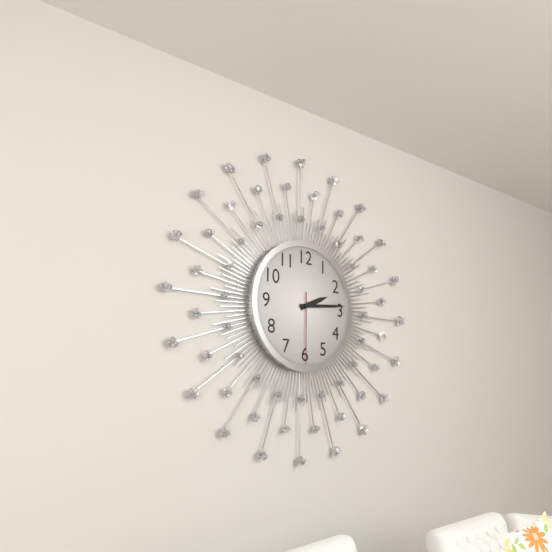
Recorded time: 2:14:30
